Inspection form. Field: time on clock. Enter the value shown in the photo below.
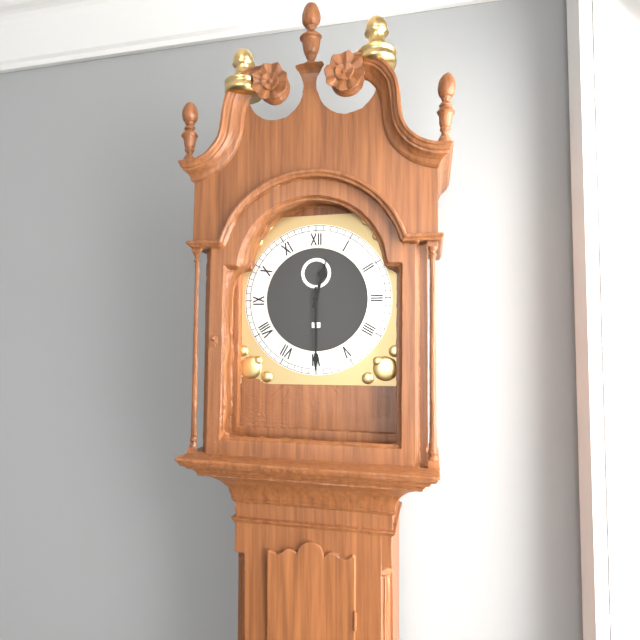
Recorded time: 12:30
